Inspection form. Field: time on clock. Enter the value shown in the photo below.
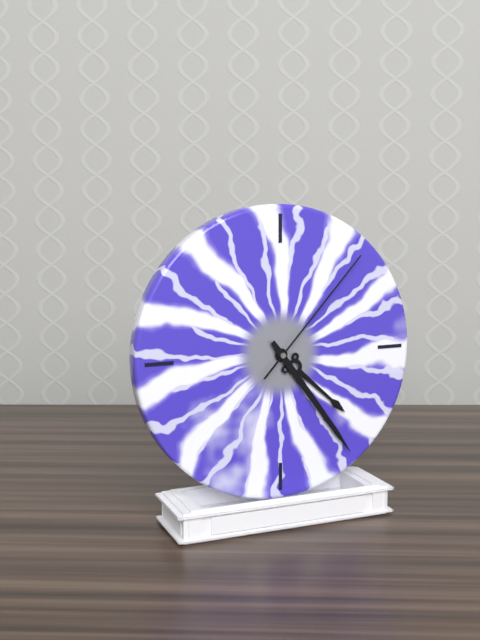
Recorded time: 4:24:07
